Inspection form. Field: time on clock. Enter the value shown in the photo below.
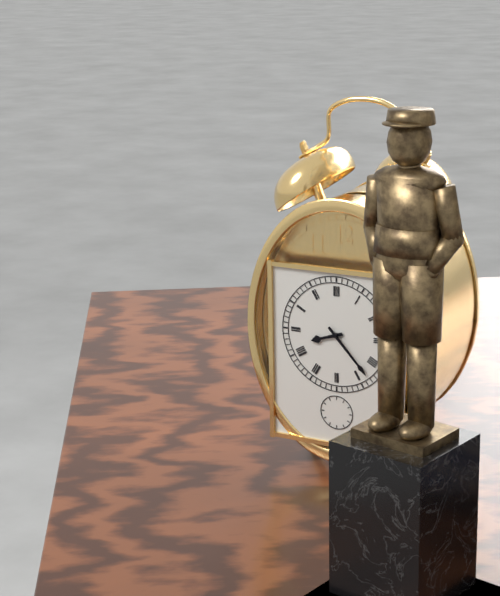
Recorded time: 8:23
